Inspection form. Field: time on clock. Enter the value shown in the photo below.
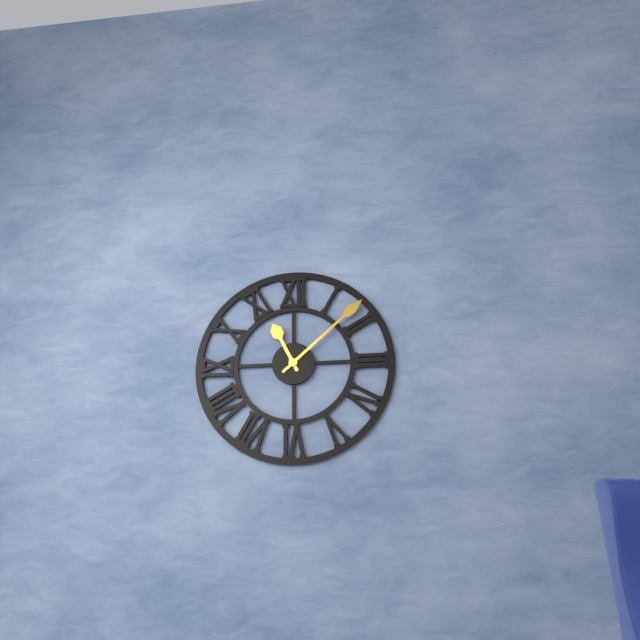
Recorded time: 11:08
